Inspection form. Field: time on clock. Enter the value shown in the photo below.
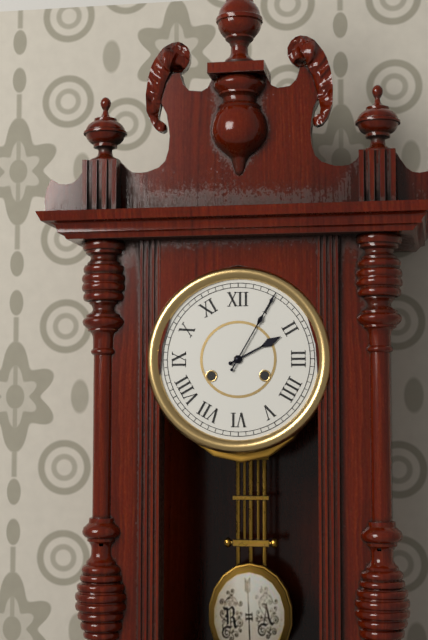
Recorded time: 2:05
